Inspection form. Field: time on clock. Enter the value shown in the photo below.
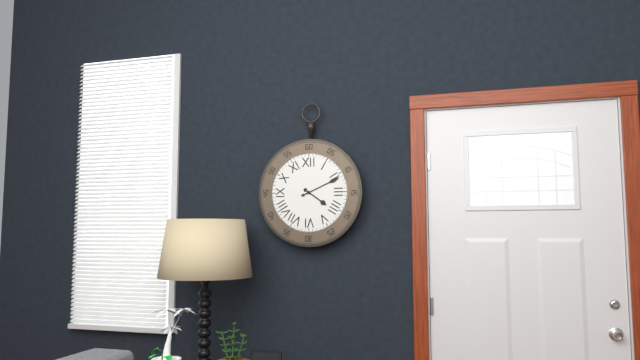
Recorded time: 4:11
